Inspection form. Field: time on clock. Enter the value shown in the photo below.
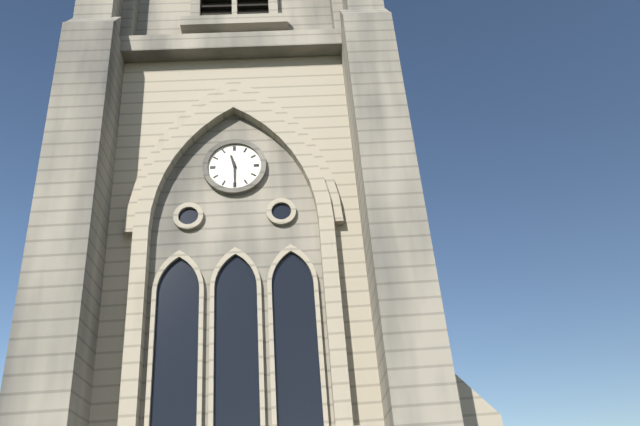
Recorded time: 11:30
